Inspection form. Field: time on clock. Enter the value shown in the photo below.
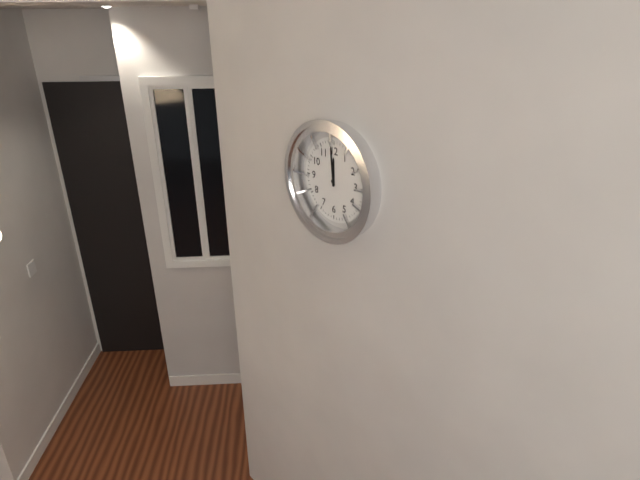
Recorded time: 11:59
